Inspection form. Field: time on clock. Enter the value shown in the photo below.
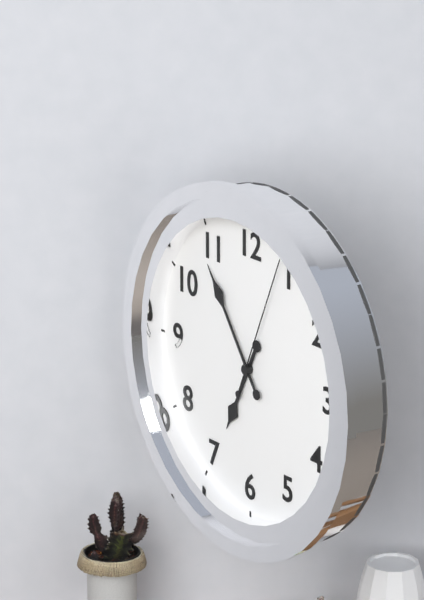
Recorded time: 6:54:04
